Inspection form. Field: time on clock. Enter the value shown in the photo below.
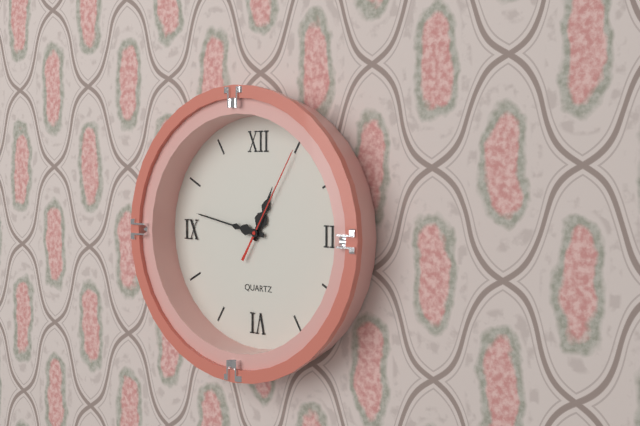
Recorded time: 12:47:05
